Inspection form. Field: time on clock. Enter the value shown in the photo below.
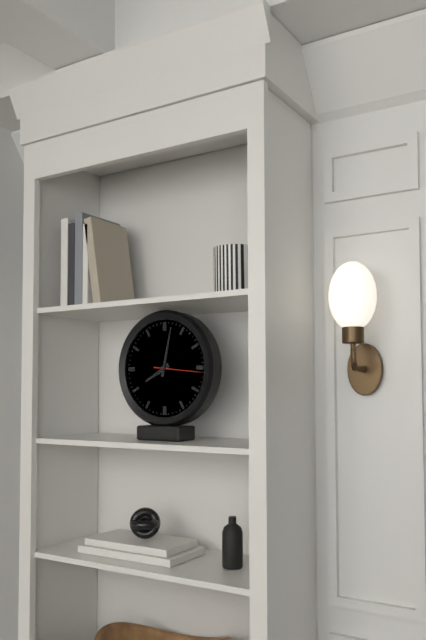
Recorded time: 8:02
